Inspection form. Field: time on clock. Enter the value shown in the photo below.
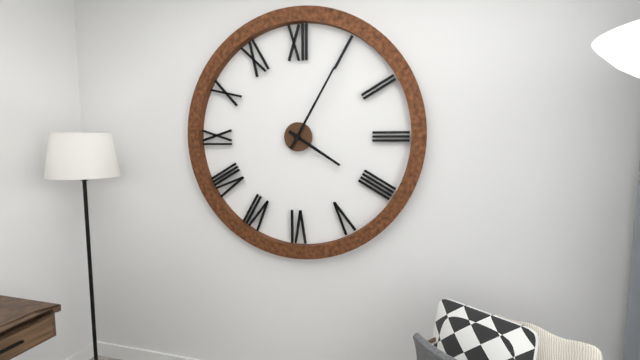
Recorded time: 4:05
